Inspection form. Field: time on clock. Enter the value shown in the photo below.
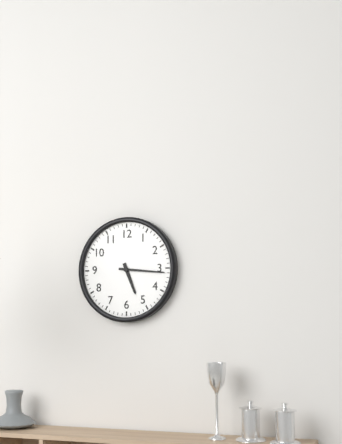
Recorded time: 5:16
